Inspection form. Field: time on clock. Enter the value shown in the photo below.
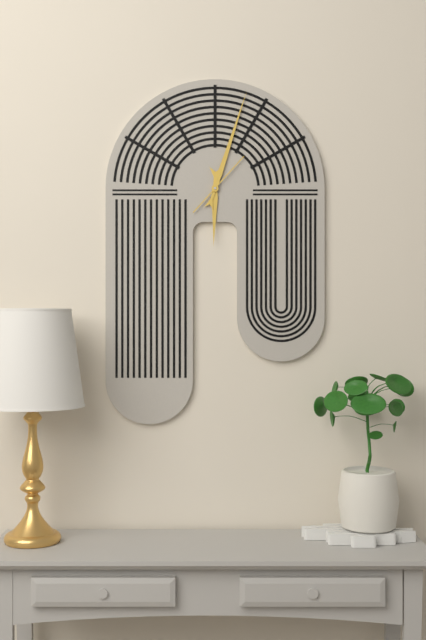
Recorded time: 6:03:07
